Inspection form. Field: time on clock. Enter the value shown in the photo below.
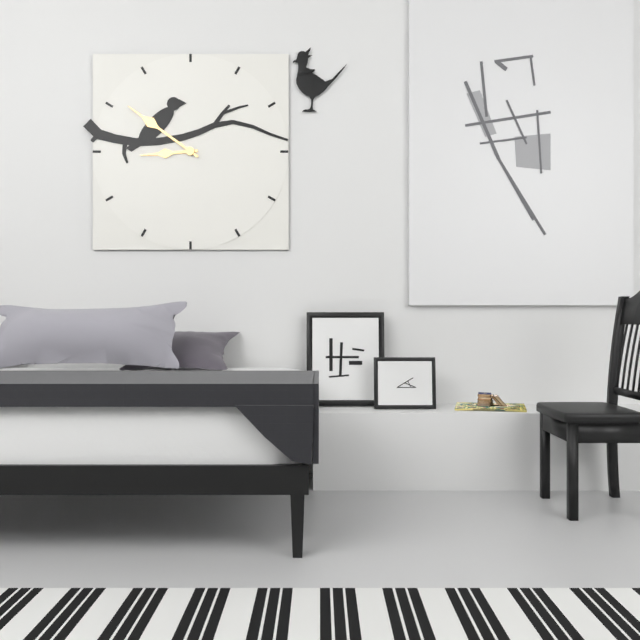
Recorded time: 8:51
